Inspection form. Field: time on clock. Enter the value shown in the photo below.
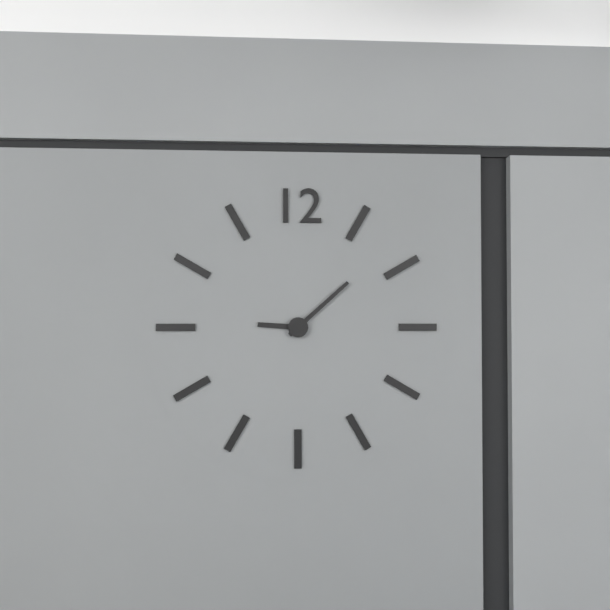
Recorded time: 9:08
